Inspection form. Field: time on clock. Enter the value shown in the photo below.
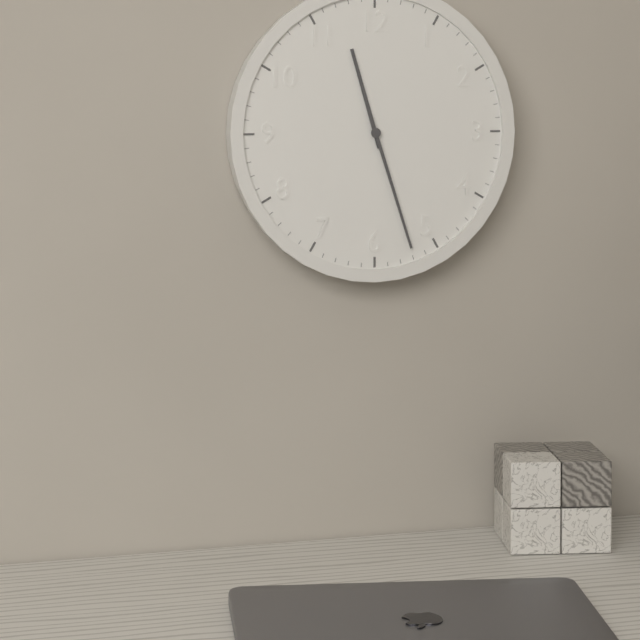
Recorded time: 11:27
